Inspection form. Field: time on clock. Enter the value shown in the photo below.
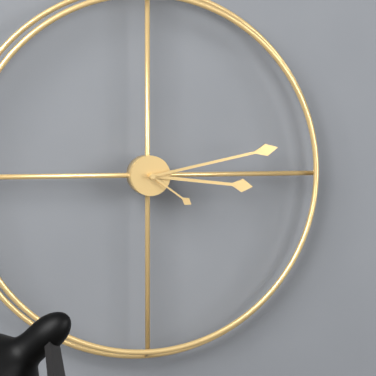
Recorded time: 3:13:21
